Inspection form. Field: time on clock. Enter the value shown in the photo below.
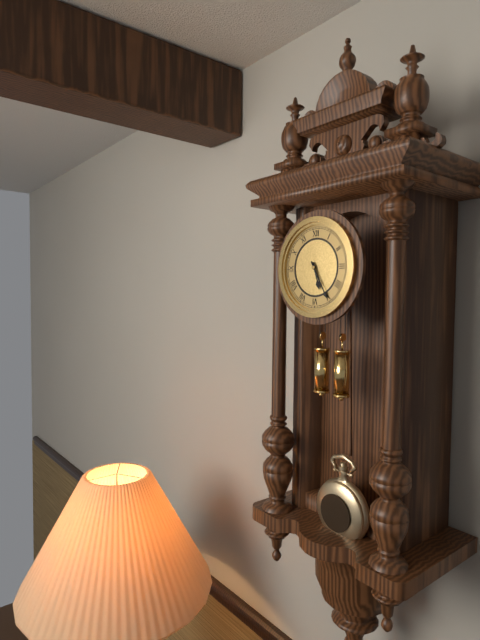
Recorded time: 5:25
